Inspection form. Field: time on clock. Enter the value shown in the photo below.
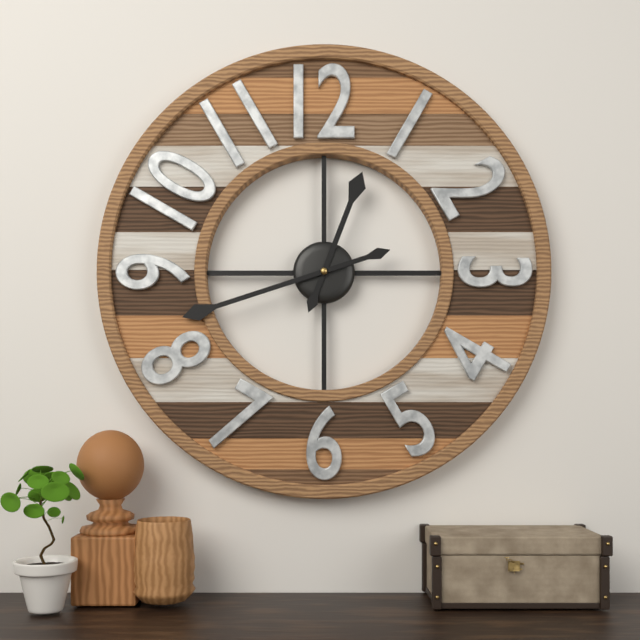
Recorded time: 12:42
